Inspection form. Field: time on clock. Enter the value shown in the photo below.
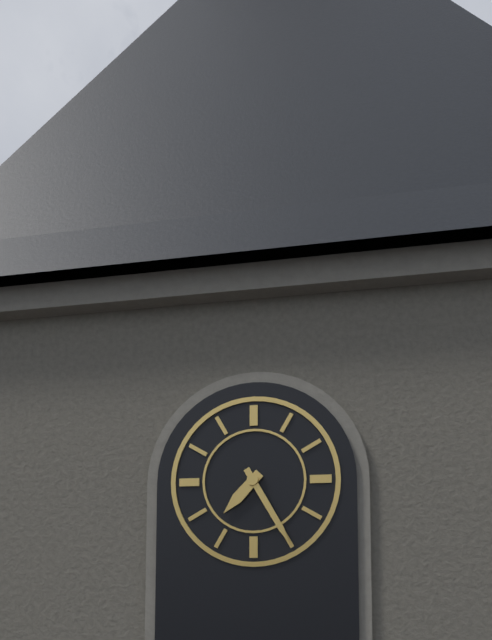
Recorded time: 7:25
